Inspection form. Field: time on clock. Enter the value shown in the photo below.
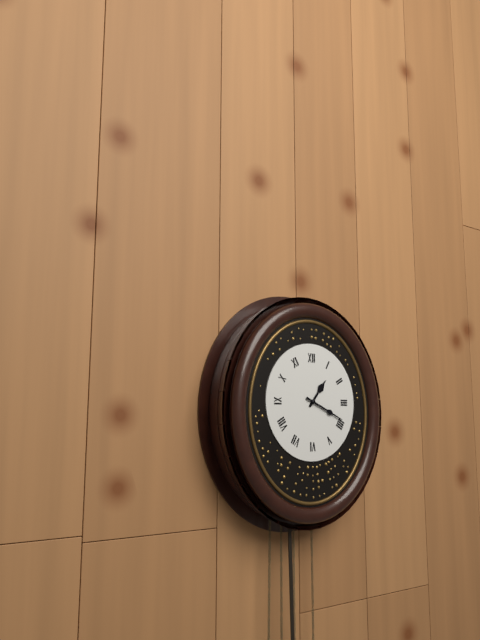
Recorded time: 1:19
